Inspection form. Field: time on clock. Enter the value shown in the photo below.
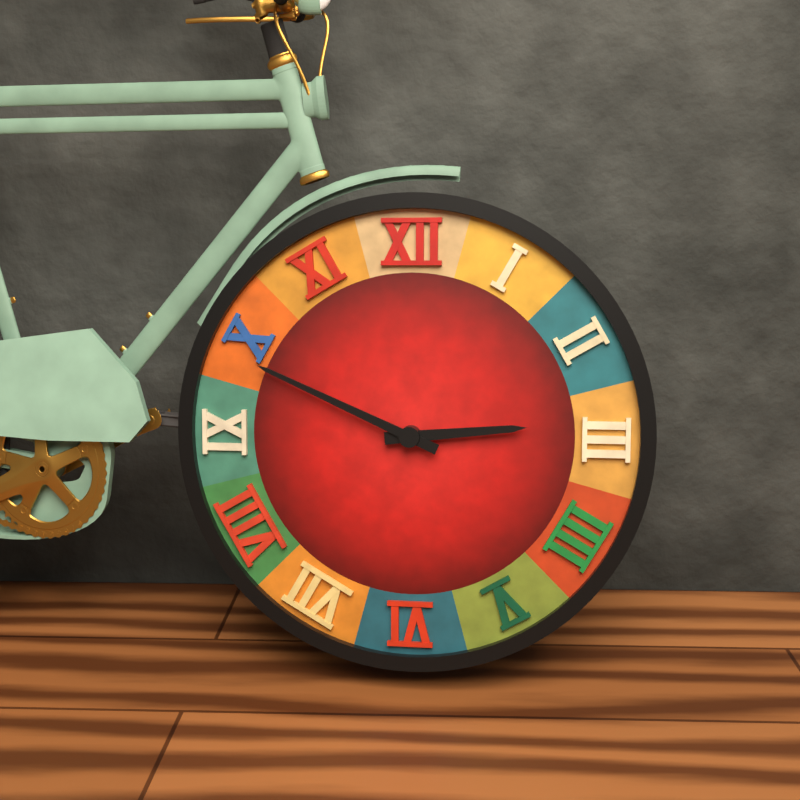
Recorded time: 2:49
